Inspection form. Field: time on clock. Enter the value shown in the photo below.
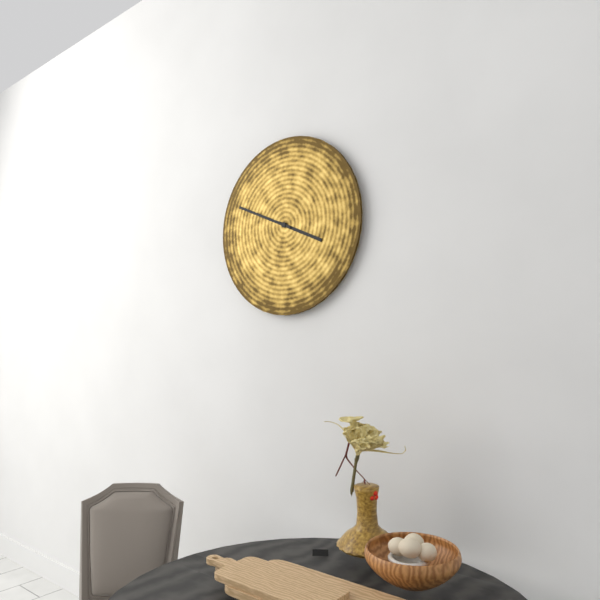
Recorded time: 3:49
